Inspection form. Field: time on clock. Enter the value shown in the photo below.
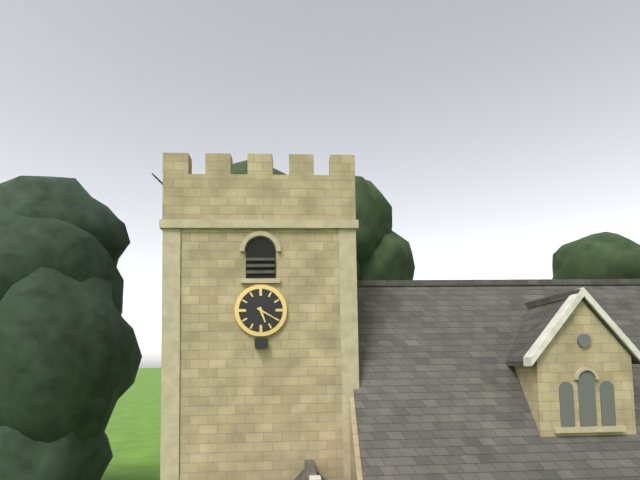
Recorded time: 5:20
